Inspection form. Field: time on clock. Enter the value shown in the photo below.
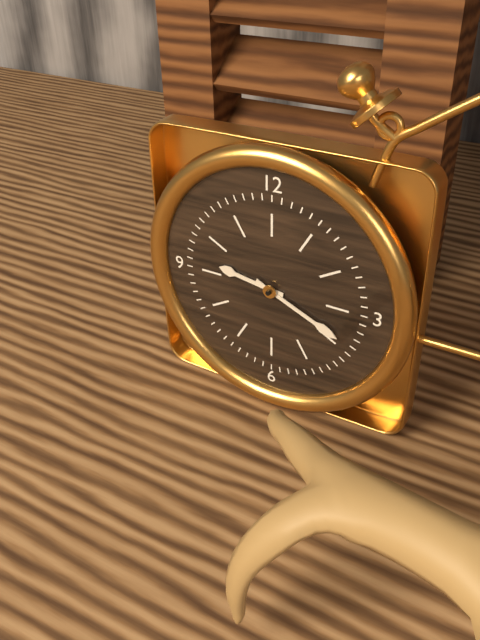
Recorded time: 9:19
